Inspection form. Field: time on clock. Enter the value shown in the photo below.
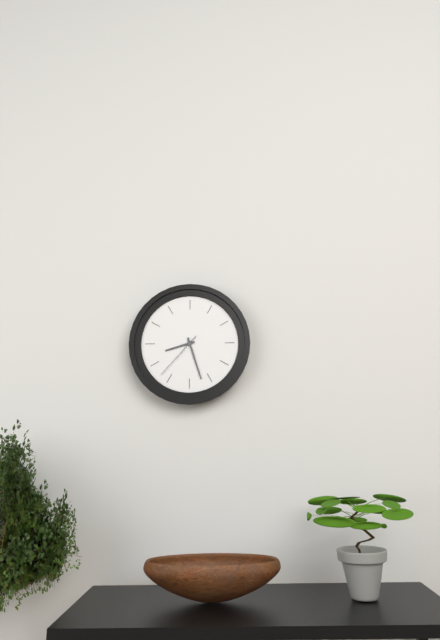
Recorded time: 8:27:37
